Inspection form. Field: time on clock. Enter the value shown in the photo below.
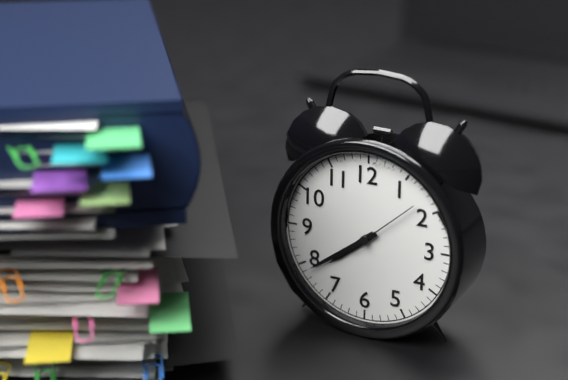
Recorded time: 7:39:08
